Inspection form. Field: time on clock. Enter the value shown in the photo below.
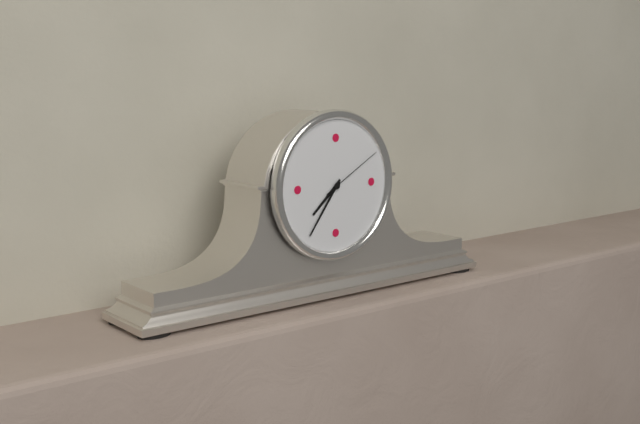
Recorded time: 7:36:10
